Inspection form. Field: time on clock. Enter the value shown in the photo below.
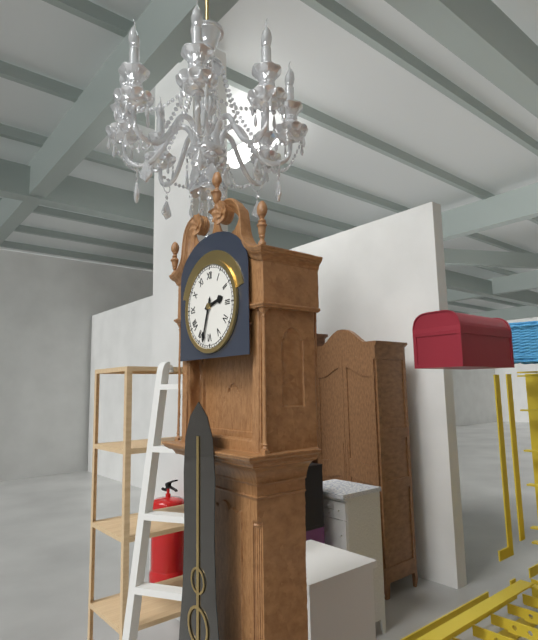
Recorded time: 2:33
